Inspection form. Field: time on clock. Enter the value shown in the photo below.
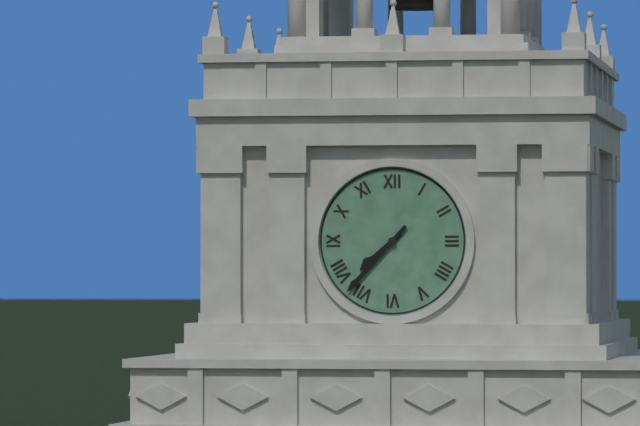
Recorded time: 7:37
